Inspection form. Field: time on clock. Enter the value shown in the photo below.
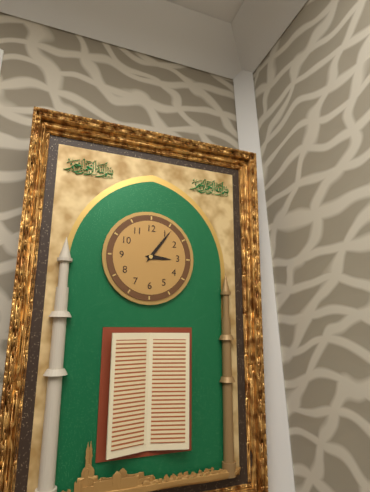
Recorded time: 3:06
